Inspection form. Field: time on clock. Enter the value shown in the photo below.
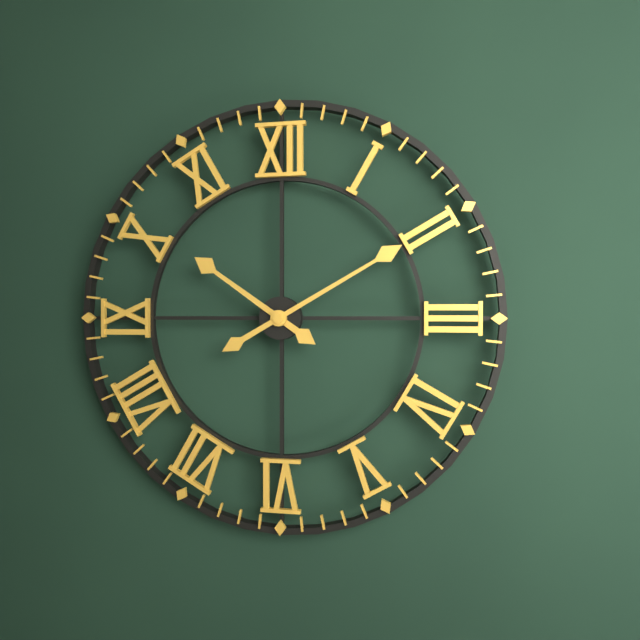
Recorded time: 10:10
